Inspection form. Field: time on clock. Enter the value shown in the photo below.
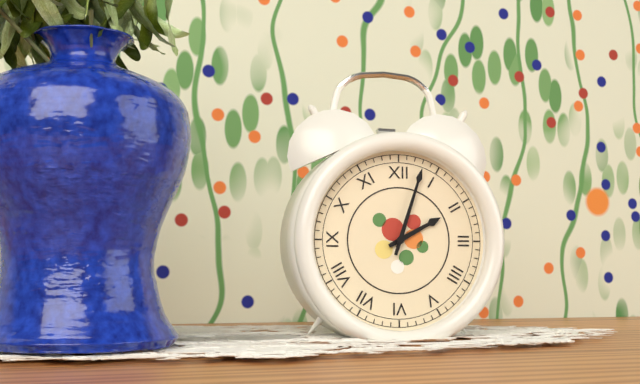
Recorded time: 2:03
